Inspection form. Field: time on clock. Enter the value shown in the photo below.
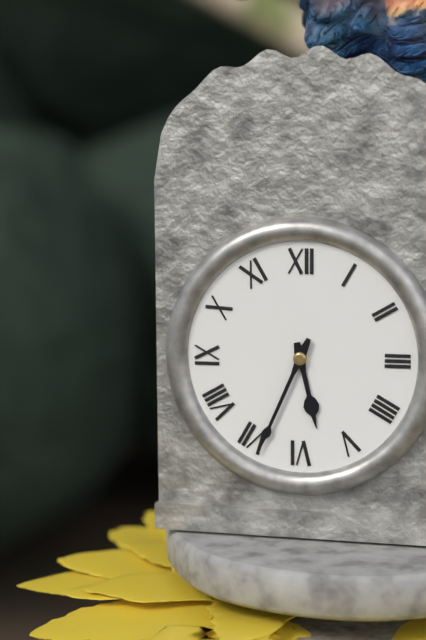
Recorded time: 5:34
